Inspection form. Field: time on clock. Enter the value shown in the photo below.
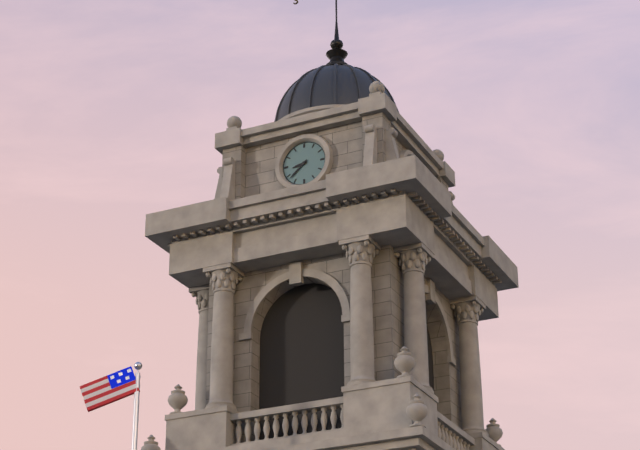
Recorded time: 8:38
